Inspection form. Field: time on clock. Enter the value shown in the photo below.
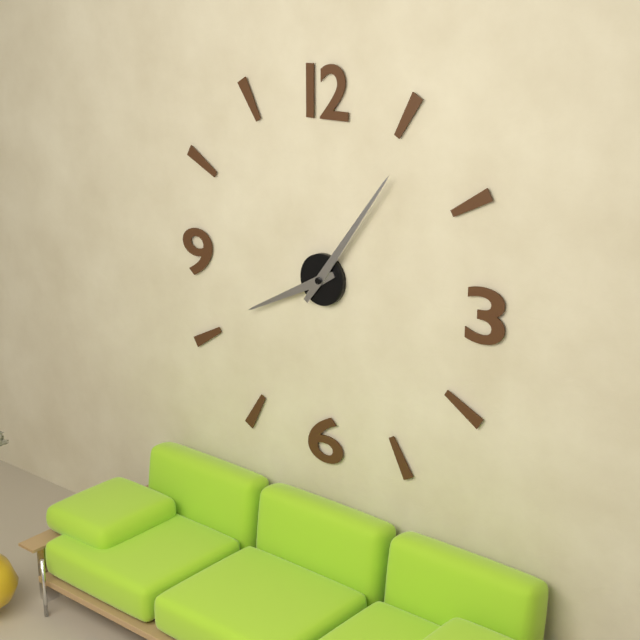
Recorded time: 8:06
